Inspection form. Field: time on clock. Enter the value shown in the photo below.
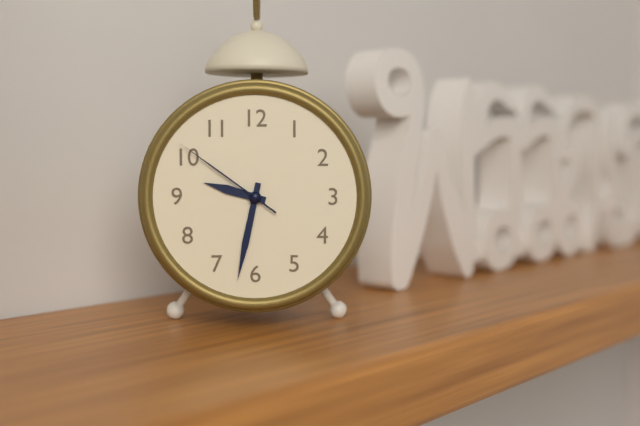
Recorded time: 9:32:51
